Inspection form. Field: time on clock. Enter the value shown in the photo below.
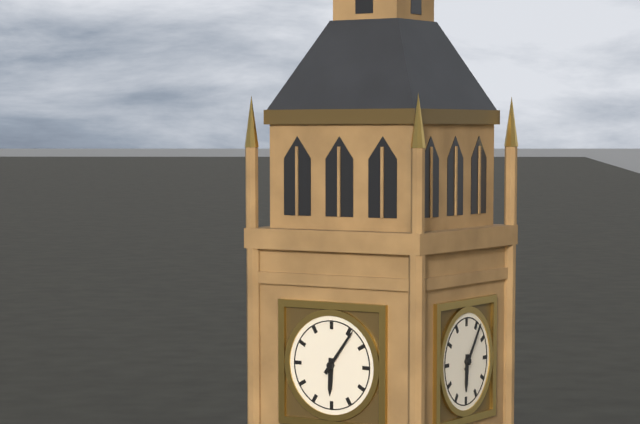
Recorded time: 6:06
